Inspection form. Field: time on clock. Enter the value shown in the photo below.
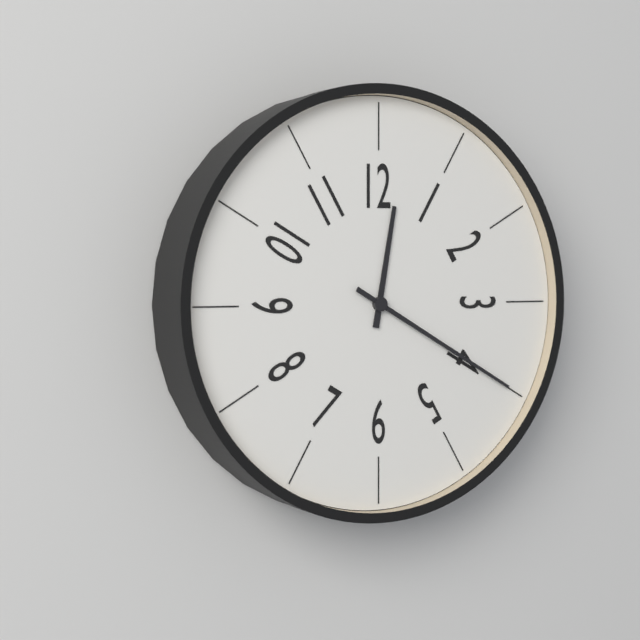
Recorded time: 12:20
